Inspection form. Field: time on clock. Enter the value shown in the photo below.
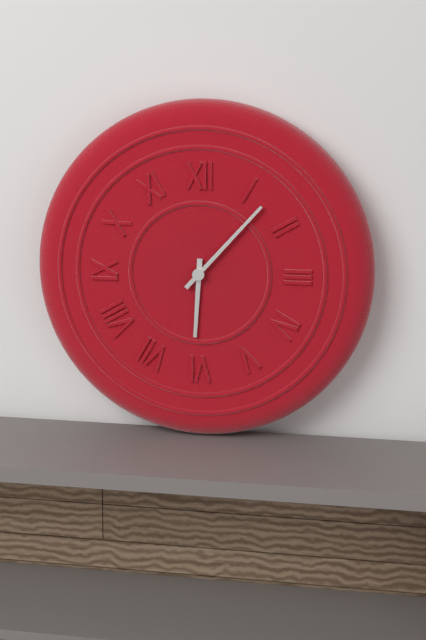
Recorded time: 6:07
